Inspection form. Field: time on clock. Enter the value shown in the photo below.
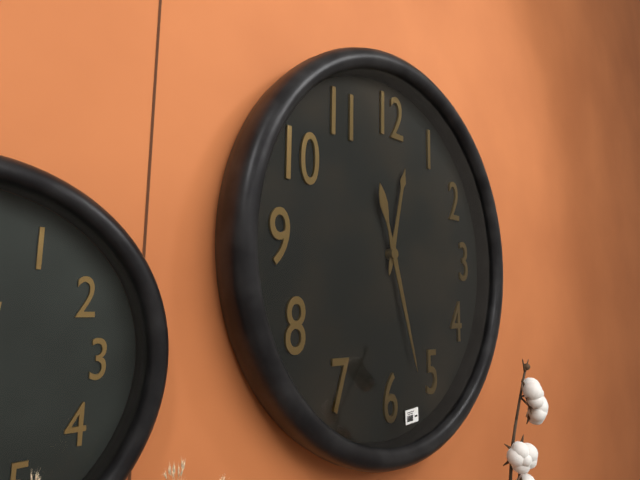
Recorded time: 12:27
